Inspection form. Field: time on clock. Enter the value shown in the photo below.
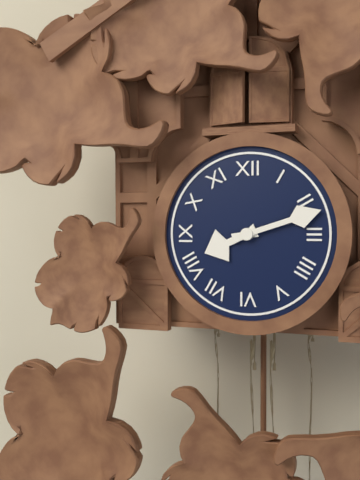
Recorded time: 8:12
